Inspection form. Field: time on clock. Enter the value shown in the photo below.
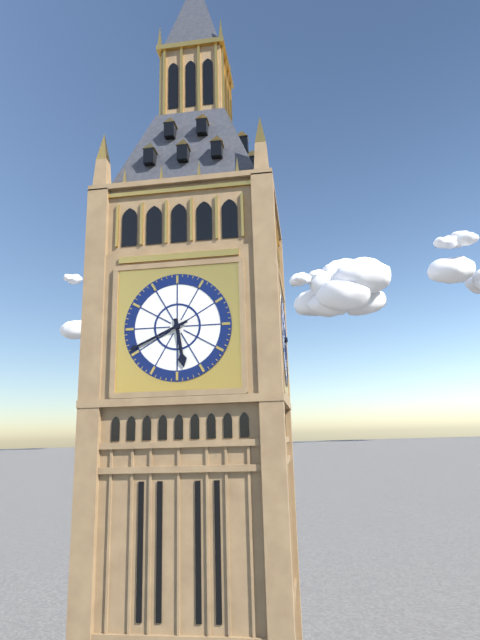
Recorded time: 5:41
